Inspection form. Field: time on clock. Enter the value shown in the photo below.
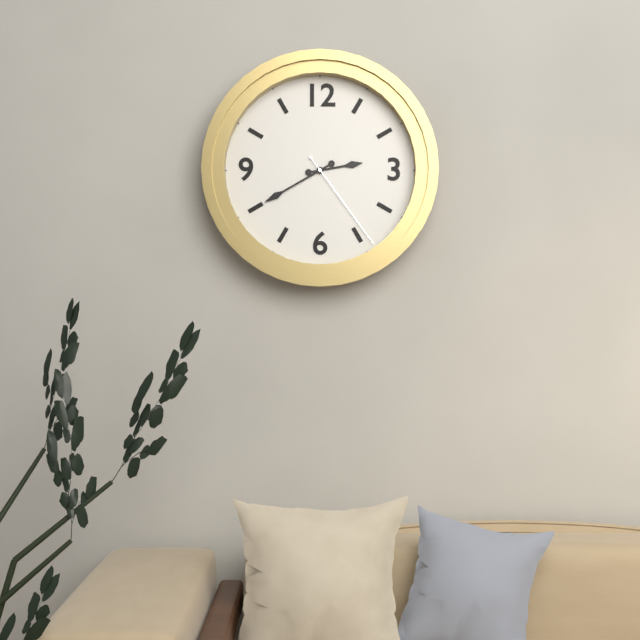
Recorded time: 2:40:24
